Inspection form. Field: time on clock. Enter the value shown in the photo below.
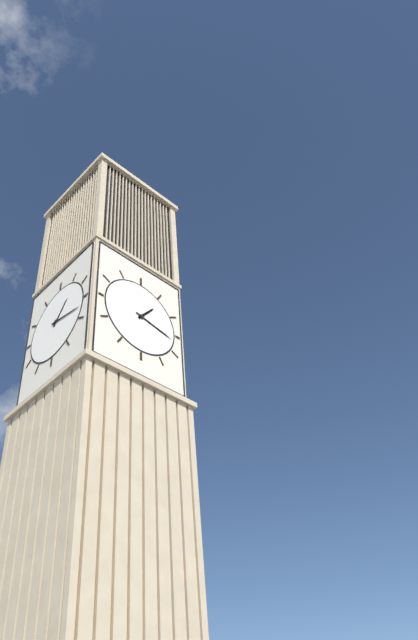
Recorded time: 1:17
